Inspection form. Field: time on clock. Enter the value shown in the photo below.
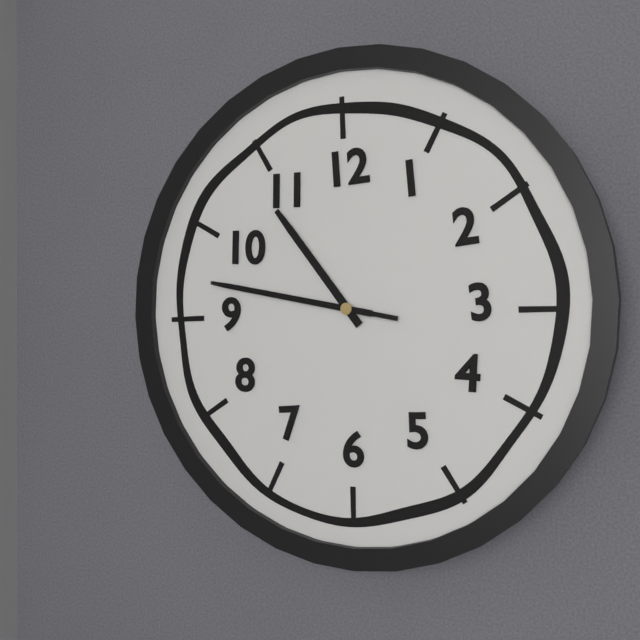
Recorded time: 10:47:47
